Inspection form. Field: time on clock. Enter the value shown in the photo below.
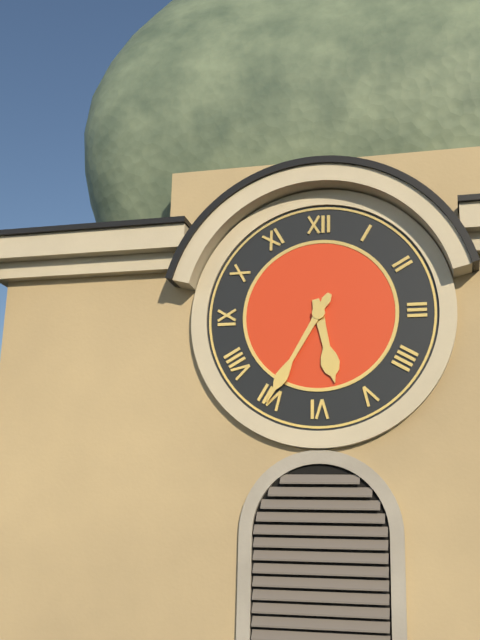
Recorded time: 5:35
